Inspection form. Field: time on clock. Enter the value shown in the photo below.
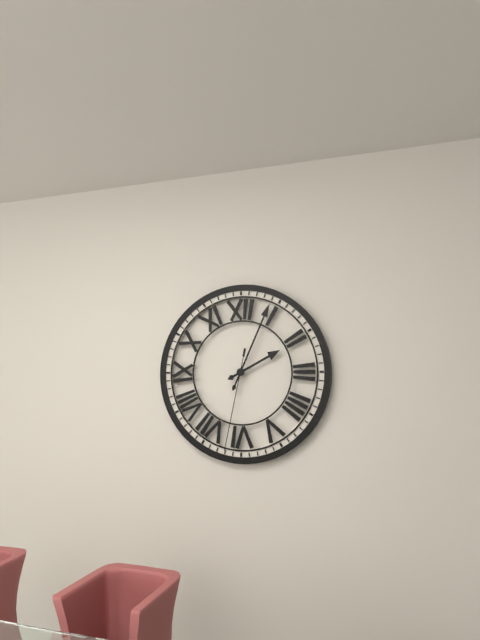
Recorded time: 2:04:32
